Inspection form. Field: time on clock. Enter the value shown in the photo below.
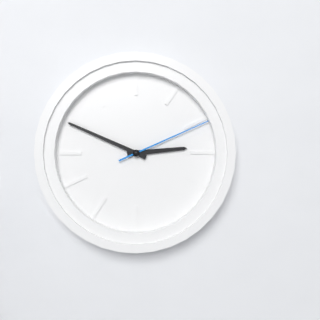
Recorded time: 2:49:11
